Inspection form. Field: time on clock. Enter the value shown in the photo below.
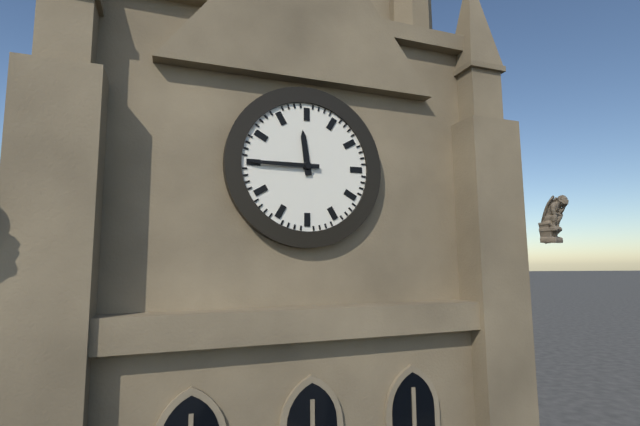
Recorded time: 11:45
